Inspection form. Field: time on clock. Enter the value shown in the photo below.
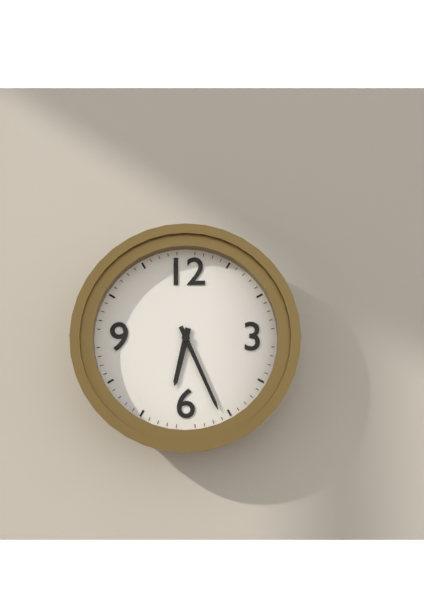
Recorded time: 6:26
